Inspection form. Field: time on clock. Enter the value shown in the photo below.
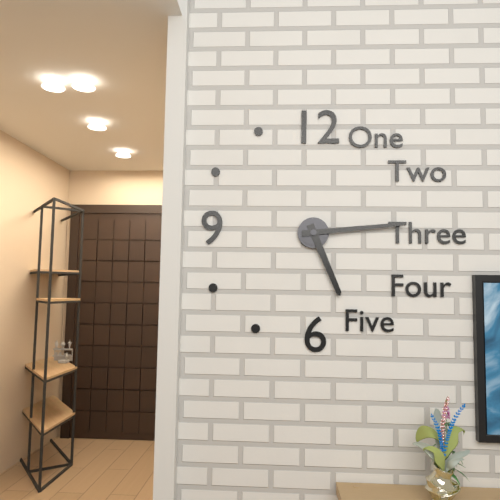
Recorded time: 5:14
